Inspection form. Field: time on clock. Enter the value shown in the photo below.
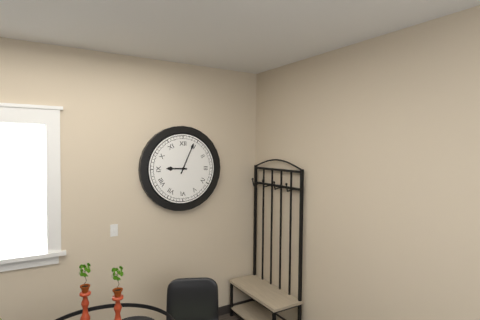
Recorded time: 9:04
